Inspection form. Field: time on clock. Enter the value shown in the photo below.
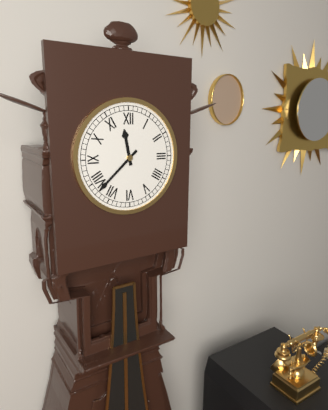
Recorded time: 11:38
